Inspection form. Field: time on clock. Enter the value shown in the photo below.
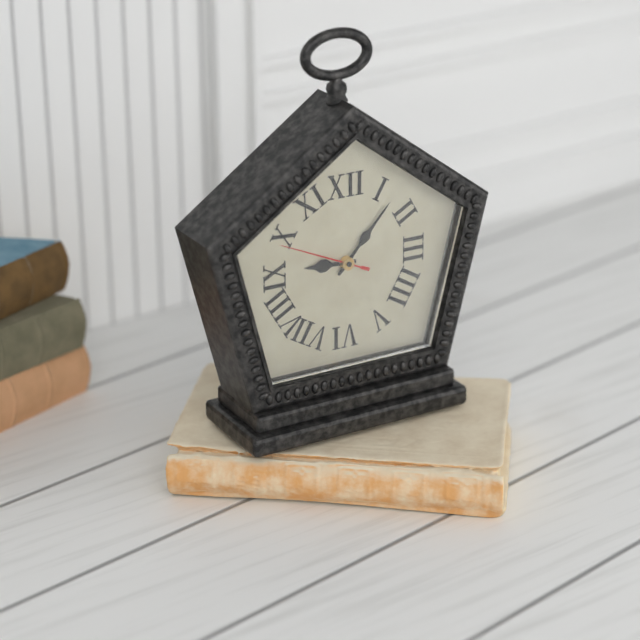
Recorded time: 9:07:49
